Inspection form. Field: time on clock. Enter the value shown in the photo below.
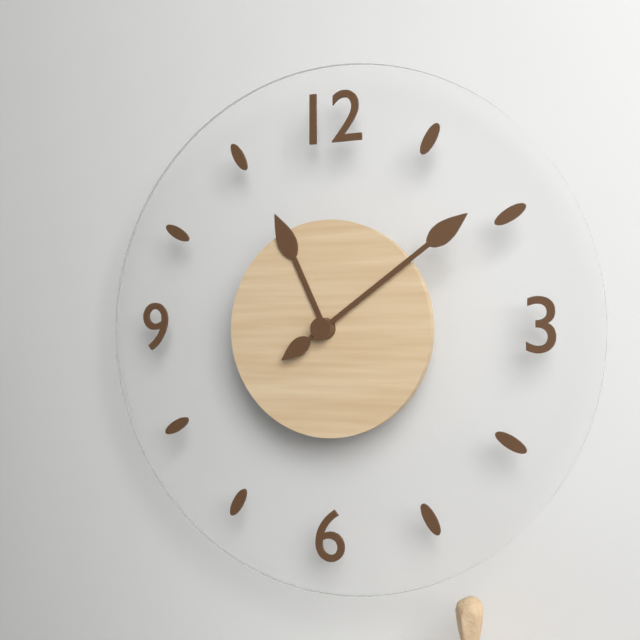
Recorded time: 11:09:39
